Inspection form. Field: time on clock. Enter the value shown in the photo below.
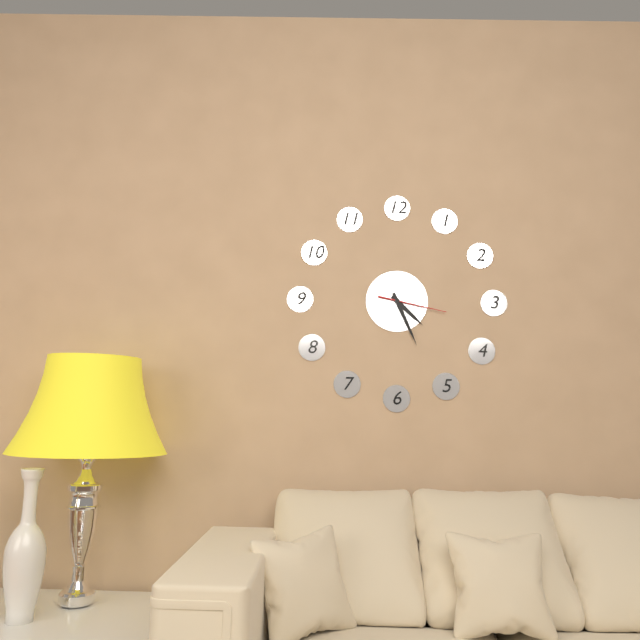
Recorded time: 4:26:17
